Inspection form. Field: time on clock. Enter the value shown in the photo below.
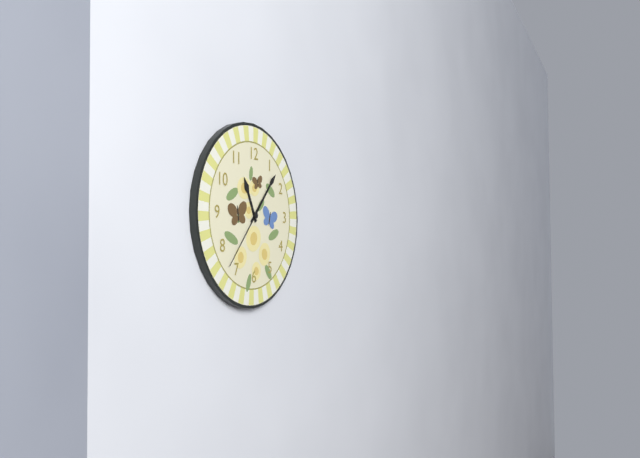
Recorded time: 11:07:37
